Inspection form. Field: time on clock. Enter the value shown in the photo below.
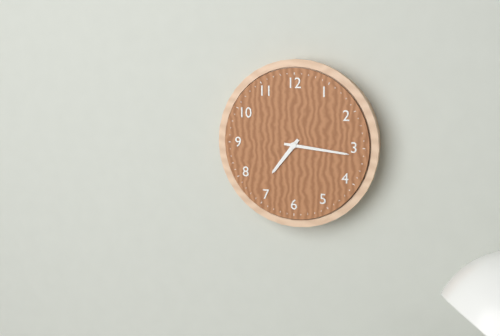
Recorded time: 7:16
